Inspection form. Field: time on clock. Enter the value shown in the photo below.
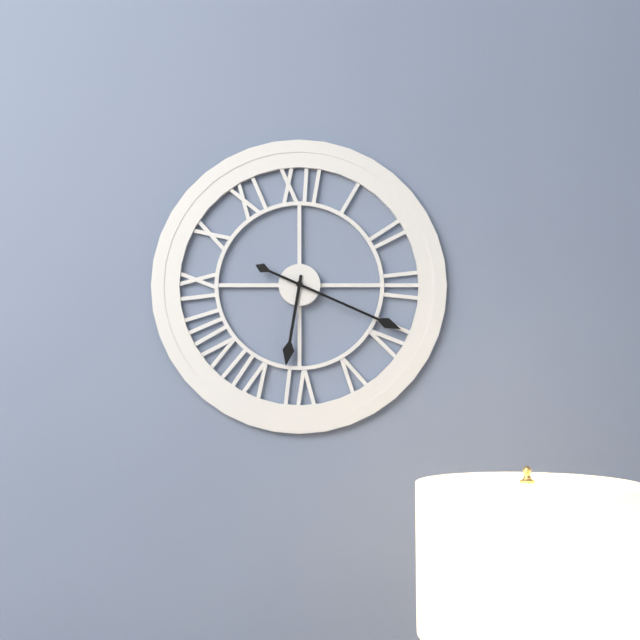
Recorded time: 6:19
